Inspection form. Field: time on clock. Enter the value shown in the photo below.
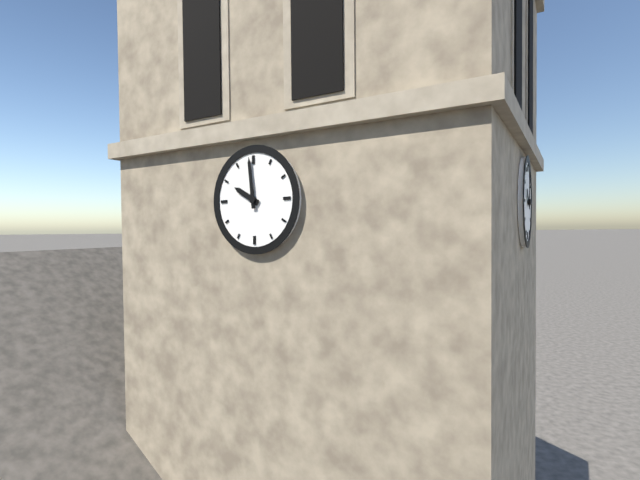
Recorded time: 9:59
